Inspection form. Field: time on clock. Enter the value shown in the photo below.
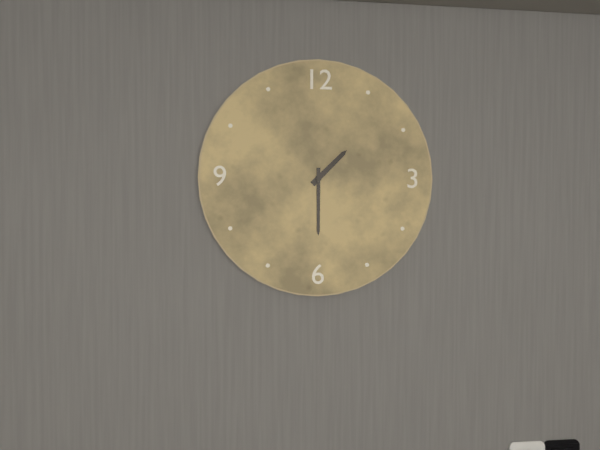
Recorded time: 1:30
